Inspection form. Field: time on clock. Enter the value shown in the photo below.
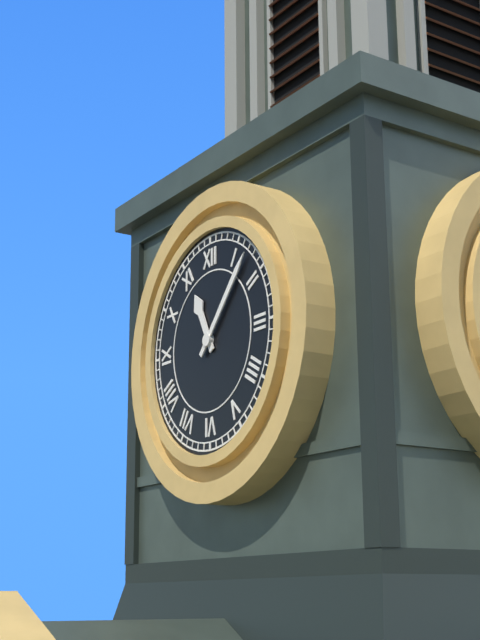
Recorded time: 11:07
